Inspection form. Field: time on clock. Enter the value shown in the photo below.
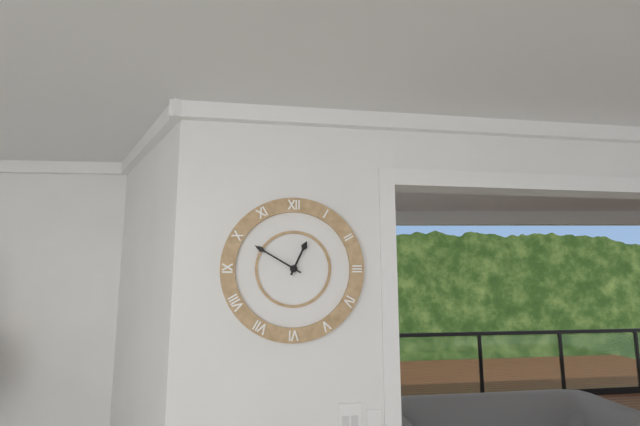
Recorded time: 12:50
